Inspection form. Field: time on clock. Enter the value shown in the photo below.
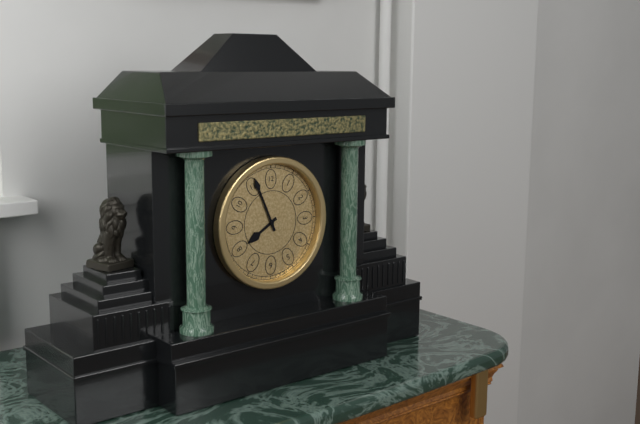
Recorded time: 7:56
